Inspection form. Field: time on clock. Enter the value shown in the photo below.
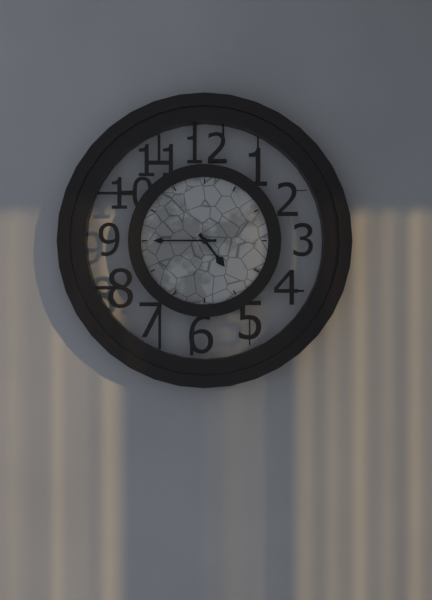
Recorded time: 4:45
